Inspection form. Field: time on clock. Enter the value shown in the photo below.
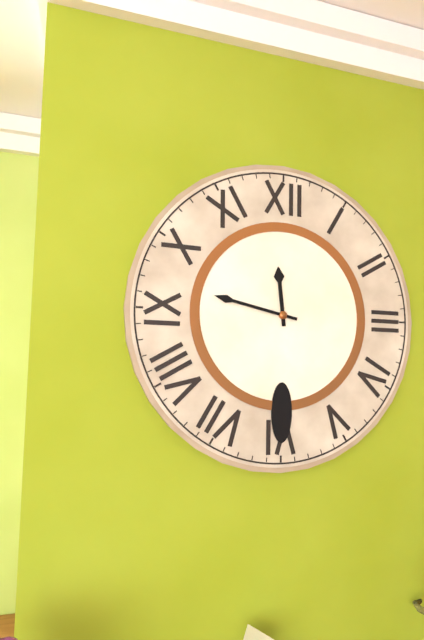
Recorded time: 11:47
